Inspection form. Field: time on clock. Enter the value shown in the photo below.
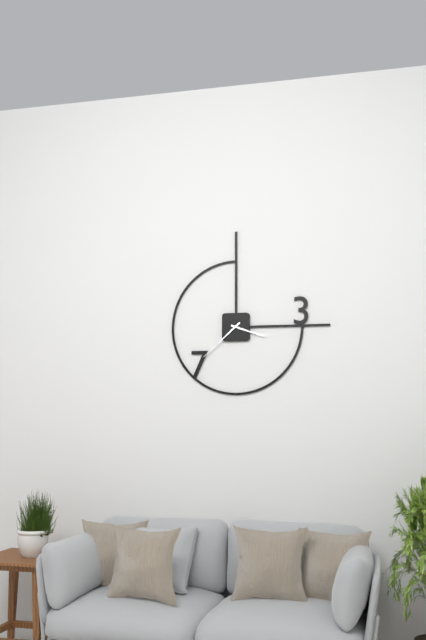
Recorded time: 3:38
